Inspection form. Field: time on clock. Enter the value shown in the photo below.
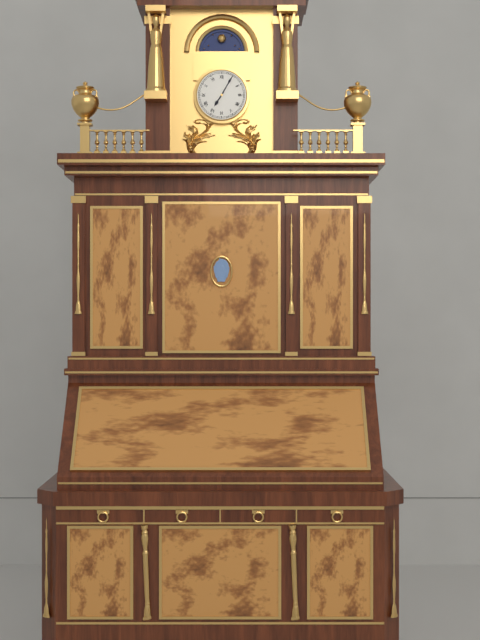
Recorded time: 7:05
